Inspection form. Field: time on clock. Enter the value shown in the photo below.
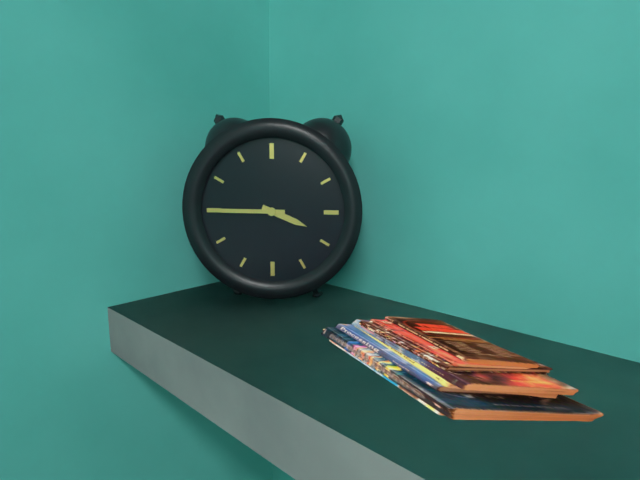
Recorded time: 3:45
